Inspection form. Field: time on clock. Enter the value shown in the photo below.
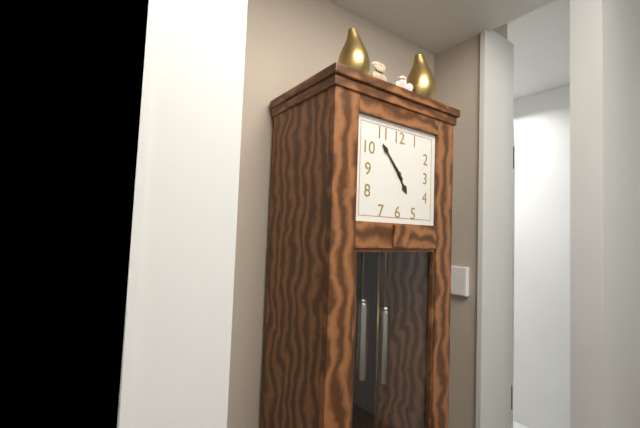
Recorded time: 4:53
